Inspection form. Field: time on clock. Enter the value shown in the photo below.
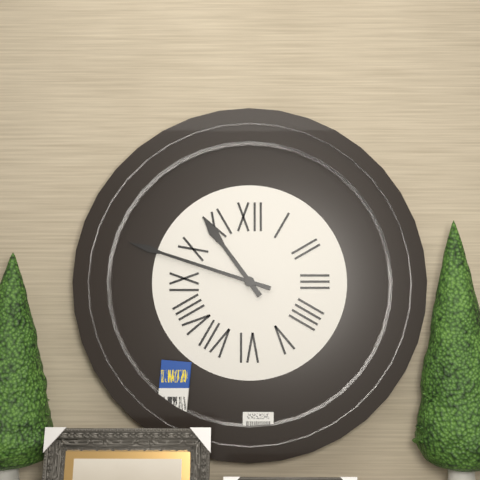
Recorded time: 10:48
